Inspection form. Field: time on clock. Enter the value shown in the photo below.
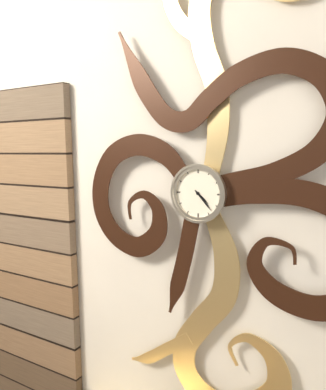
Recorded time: 4:23
